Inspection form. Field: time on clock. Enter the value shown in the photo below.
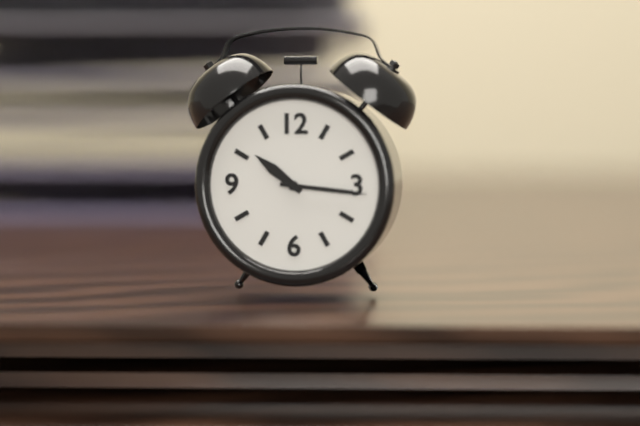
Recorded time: 10:16
